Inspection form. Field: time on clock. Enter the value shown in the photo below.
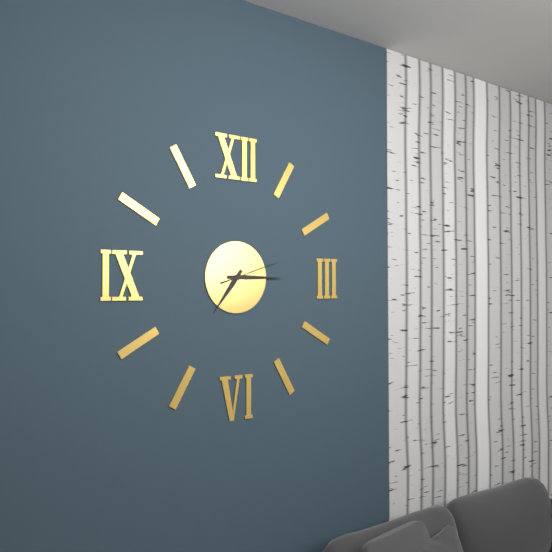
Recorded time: 7:15:12
